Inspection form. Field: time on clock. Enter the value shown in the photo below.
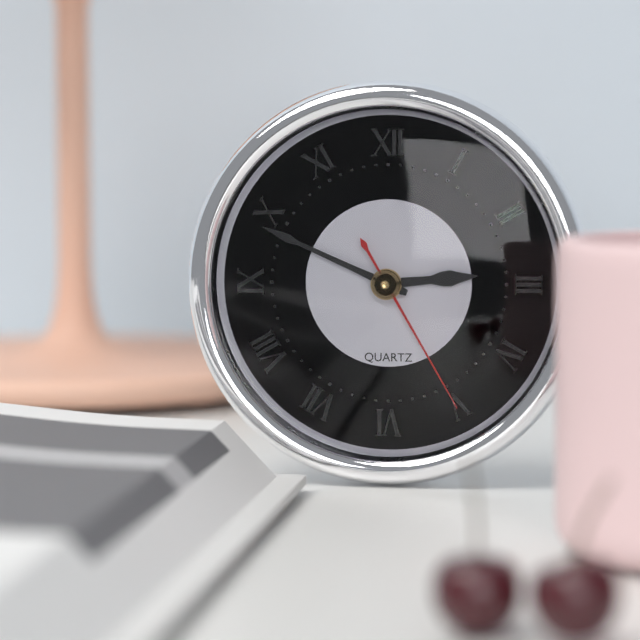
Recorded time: 2:49:25
